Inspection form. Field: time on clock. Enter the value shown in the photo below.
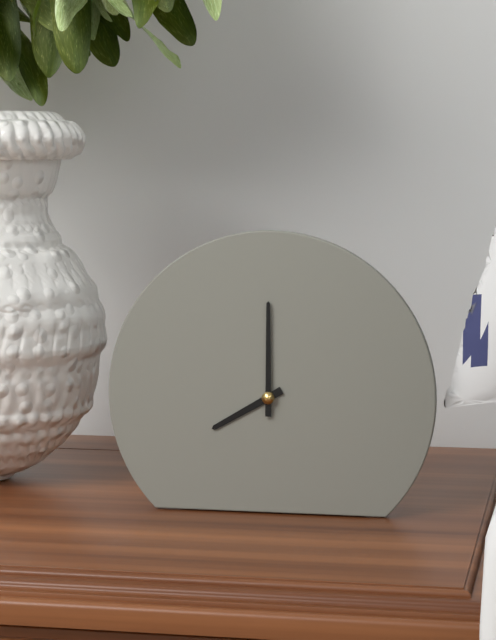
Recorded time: 8:00
